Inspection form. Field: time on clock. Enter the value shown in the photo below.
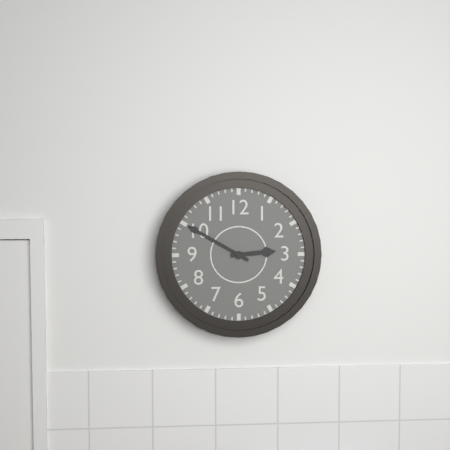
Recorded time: 2:50
